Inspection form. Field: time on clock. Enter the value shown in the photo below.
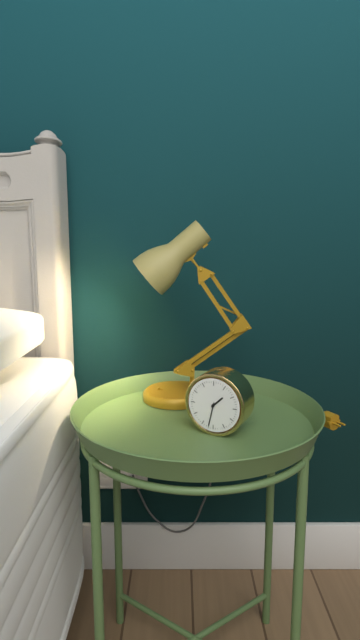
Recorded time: 1:32
